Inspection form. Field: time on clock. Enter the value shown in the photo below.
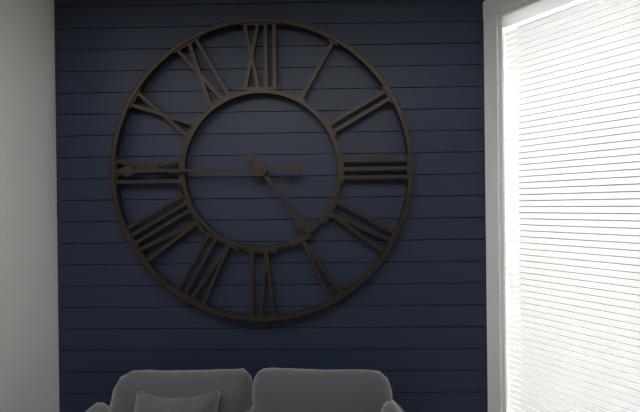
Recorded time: 4:45
